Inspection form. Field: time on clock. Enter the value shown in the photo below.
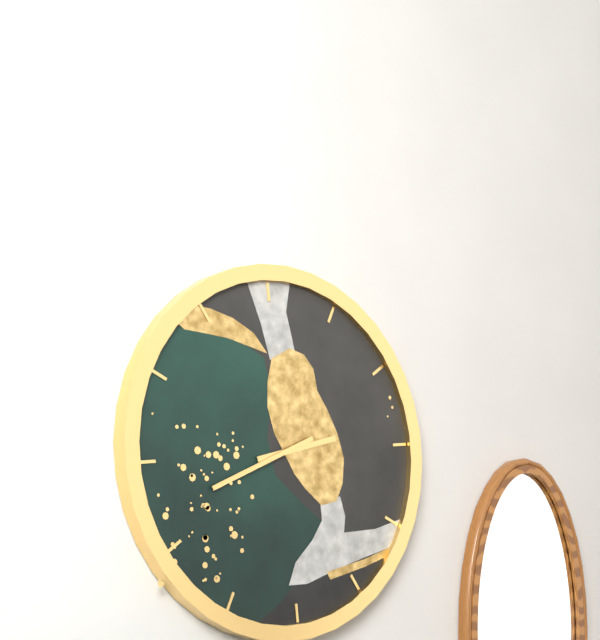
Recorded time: 2:42
